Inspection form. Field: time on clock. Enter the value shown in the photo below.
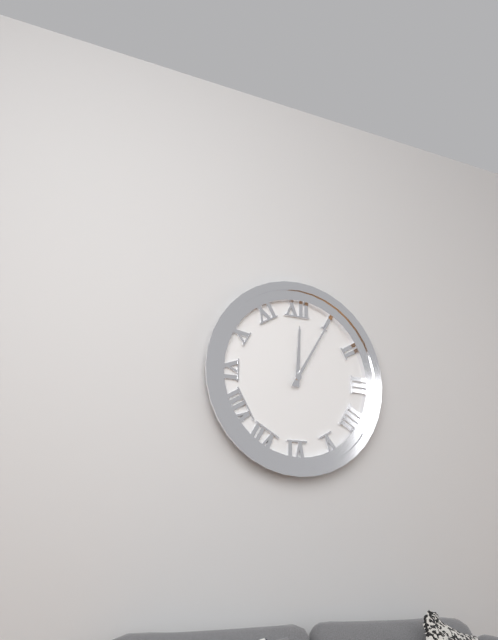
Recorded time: 12:05
